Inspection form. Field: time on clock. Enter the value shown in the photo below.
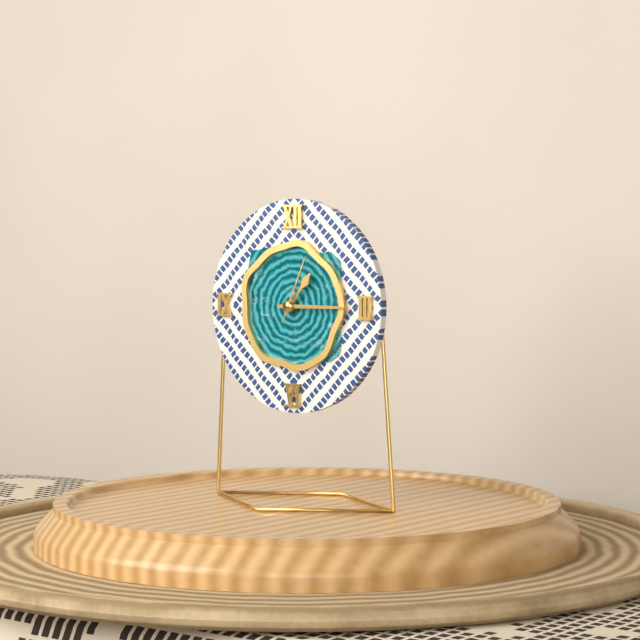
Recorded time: 1:15:04
